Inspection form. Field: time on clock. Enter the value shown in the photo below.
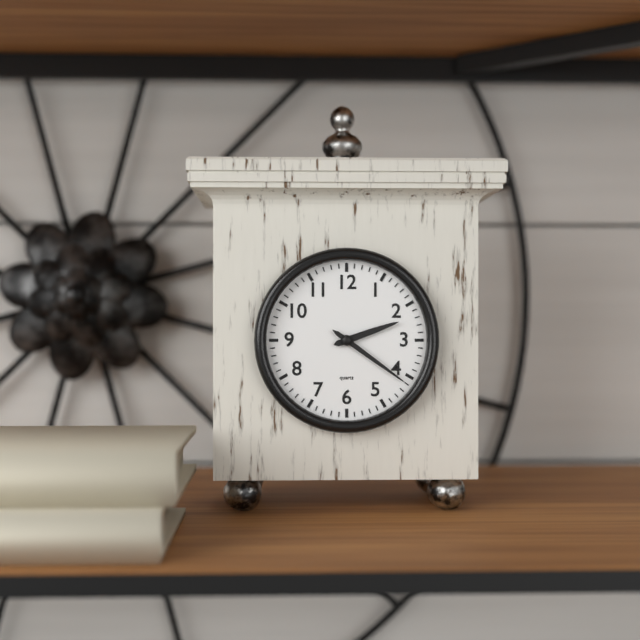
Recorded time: 2:21
